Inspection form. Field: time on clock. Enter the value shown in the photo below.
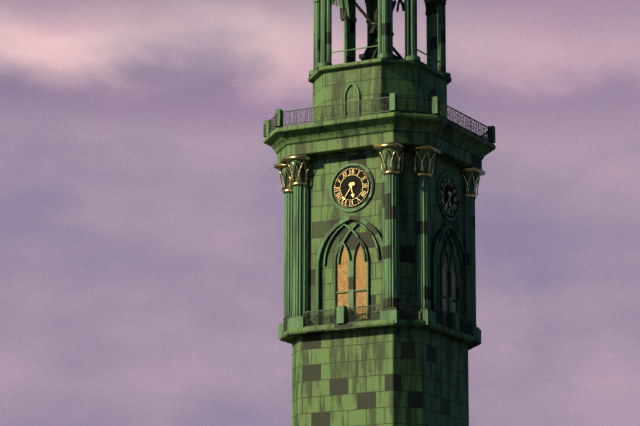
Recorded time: 5:36
